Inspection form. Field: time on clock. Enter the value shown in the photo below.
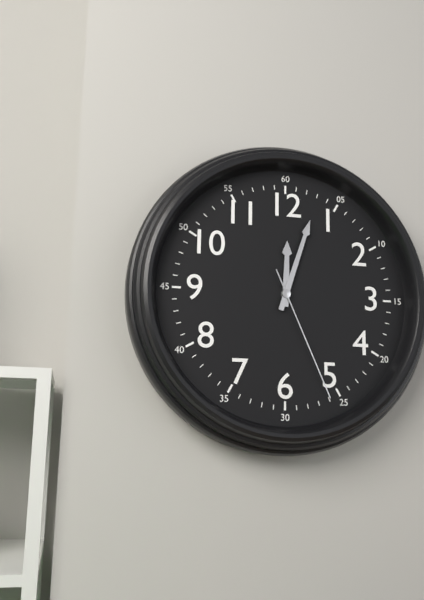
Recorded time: 12:03:26
